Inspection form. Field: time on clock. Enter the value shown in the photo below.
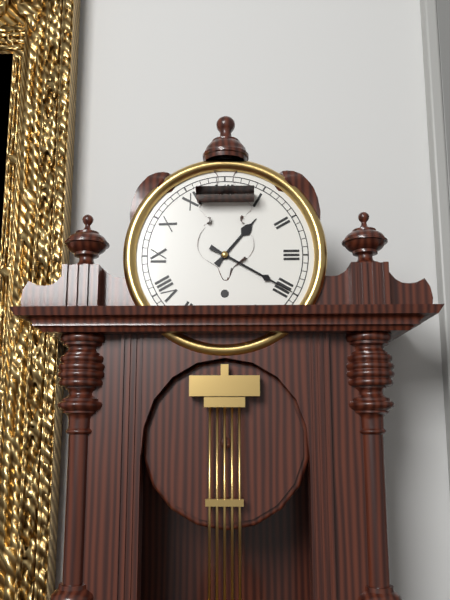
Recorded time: 1:20
